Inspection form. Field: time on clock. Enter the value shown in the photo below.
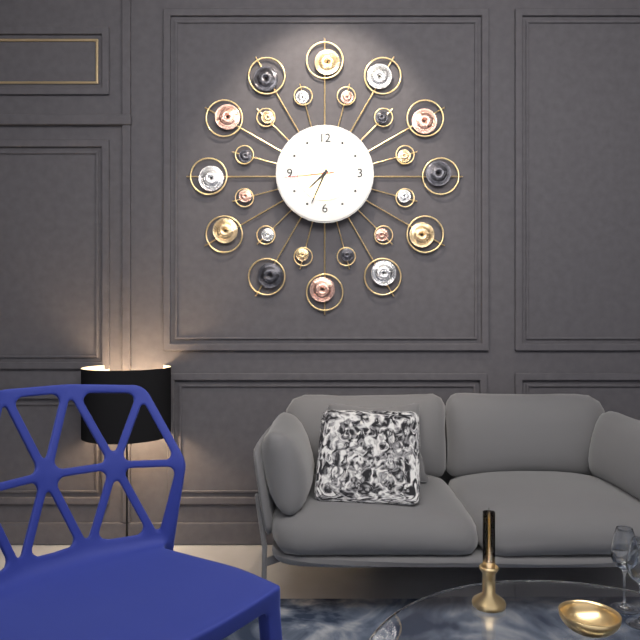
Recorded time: 7:34:44
